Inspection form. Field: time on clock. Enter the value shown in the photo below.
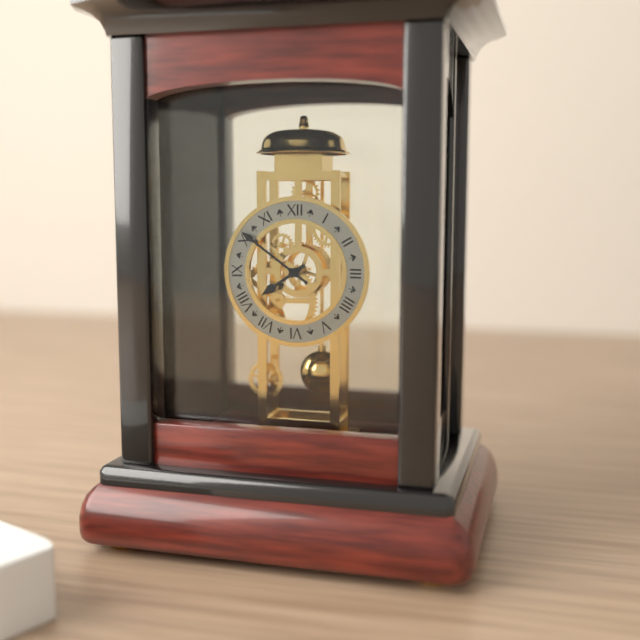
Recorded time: 7:51
